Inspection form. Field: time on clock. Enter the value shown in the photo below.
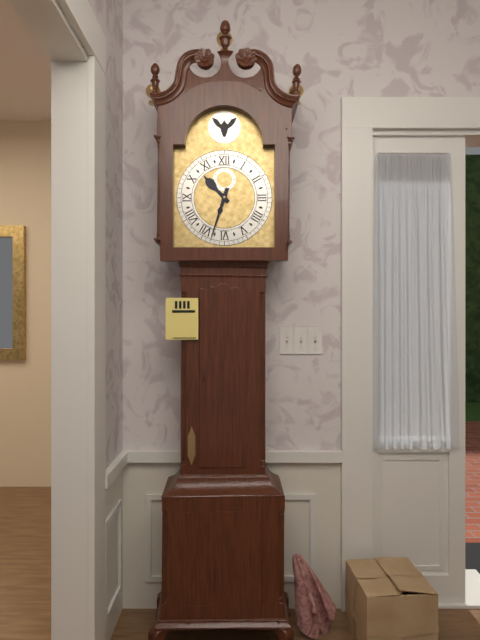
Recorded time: 10:33
